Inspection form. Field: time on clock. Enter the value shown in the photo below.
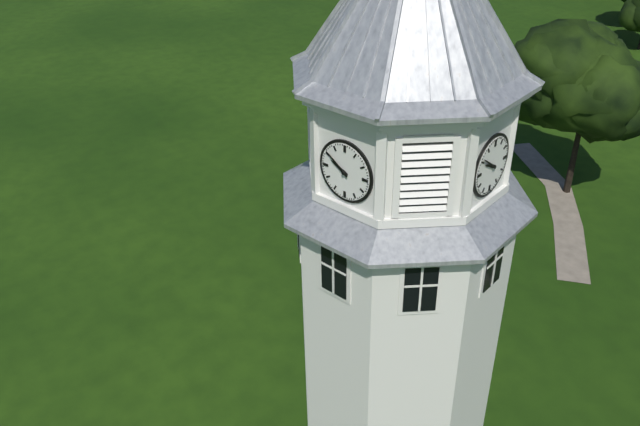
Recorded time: 9:51
